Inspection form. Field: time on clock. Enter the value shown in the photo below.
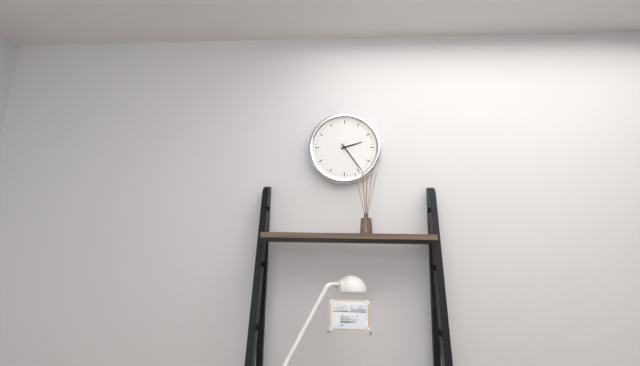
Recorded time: 2:24
